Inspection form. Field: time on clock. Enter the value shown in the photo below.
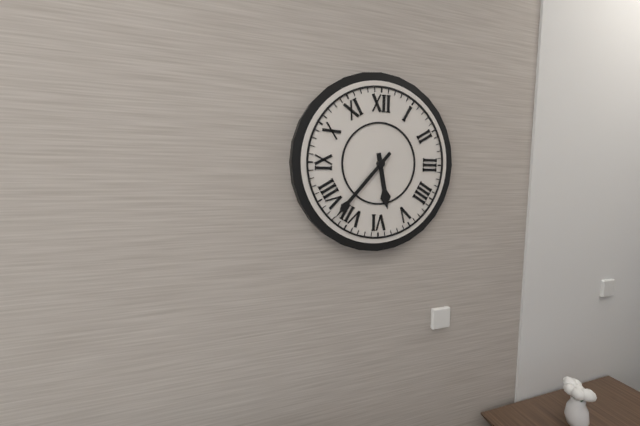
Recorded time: 5:37
